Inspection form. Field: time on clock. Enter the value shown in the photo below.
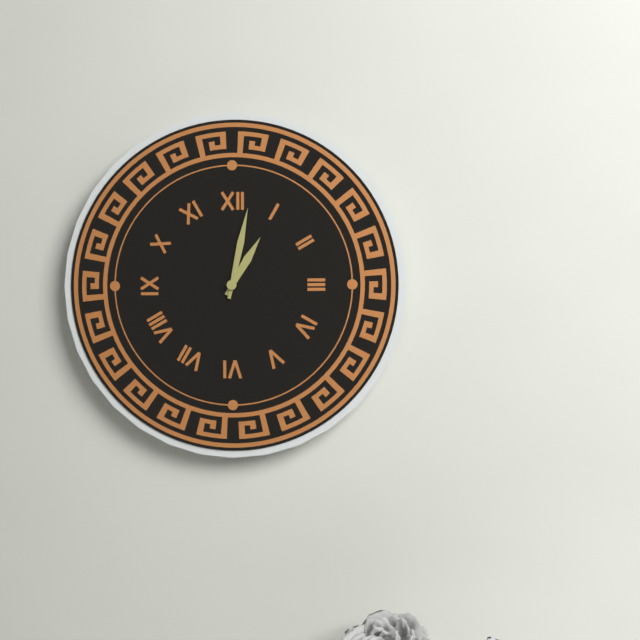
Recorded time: 1:02
